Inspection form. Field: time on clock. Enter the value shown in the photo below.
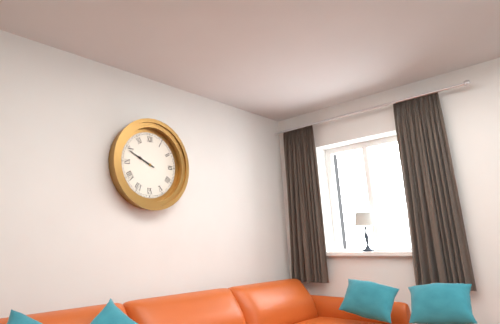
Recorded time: 9:49
